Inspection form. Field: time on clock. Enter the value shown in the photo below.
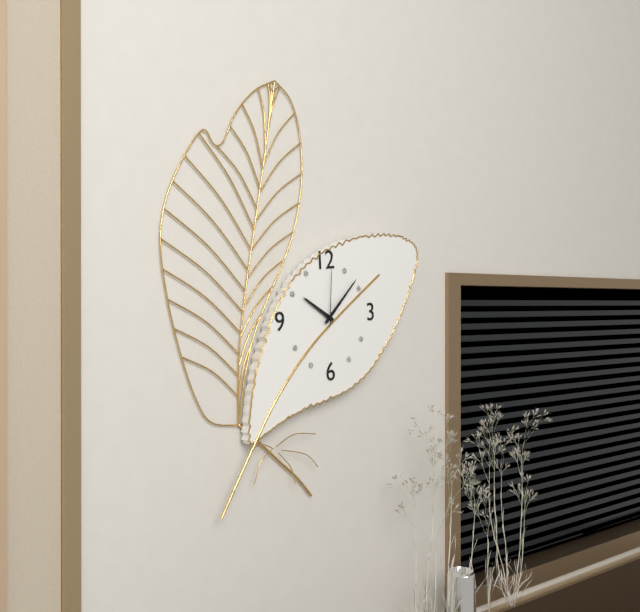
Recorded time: 10:08:01
